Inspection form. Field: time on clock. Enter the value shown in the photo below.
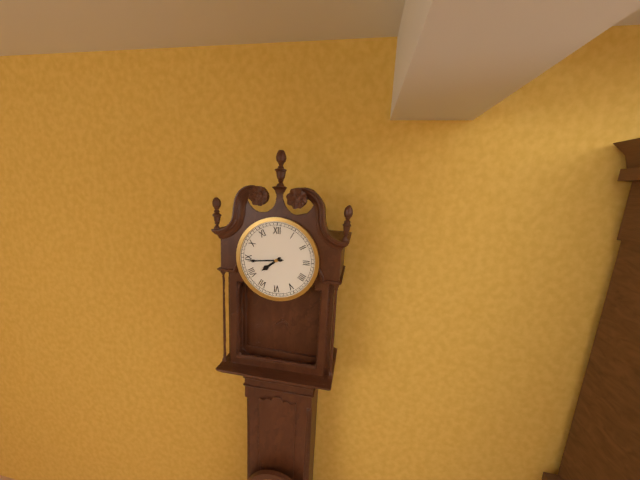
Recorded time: 7:44
